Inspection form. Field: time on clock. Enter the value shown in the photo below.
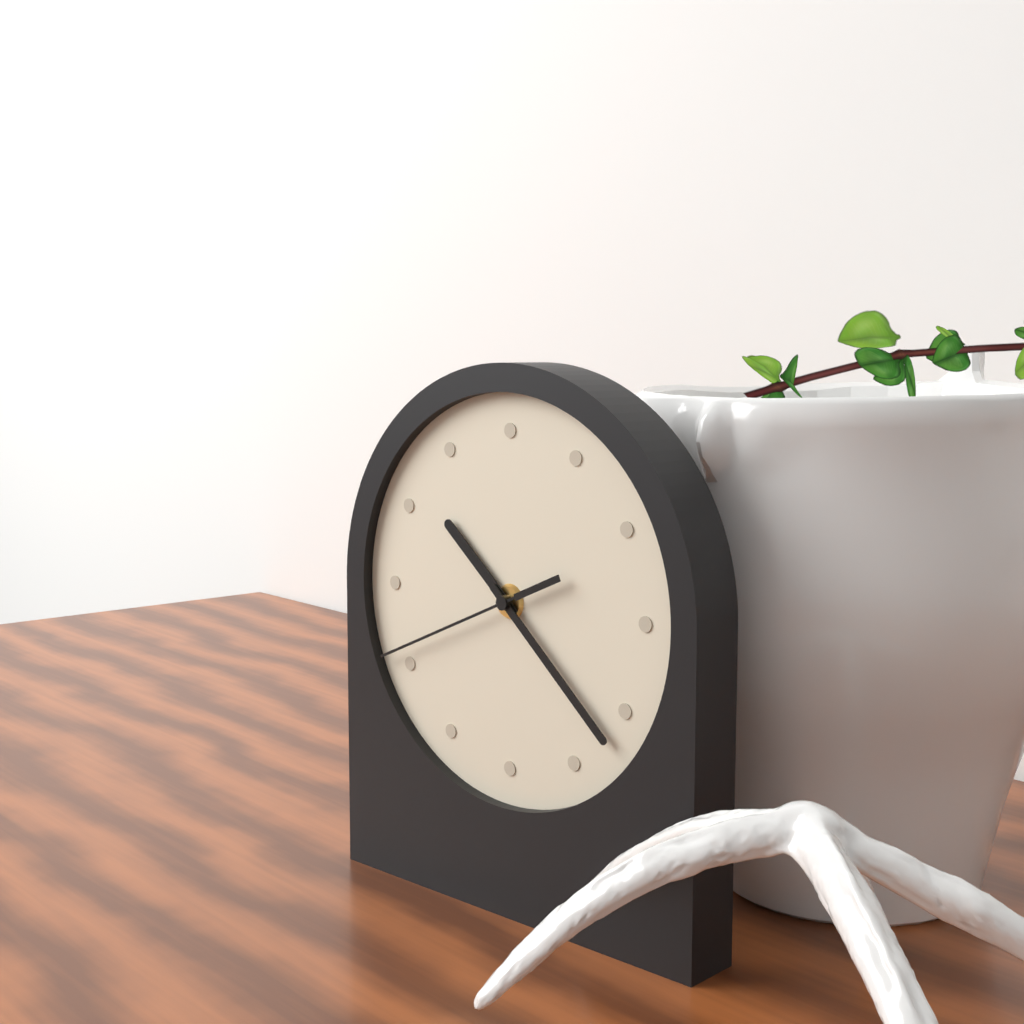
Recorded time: 10:22:41
